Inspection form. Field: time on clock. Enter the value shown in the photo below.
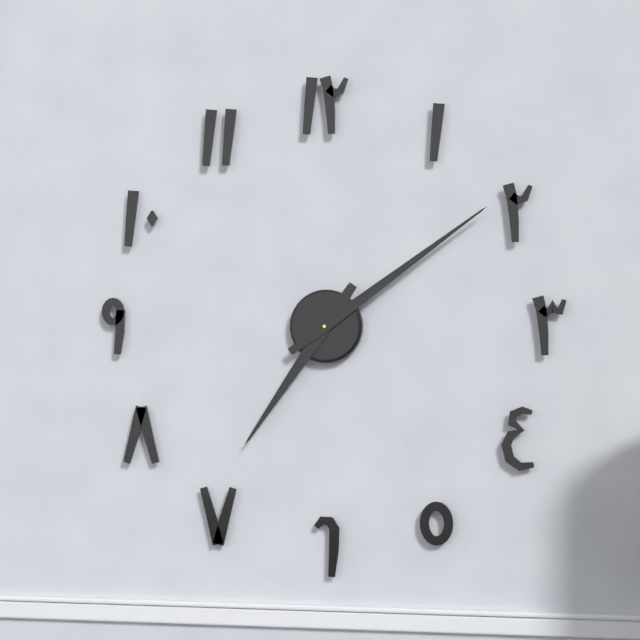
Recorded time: 7:09
